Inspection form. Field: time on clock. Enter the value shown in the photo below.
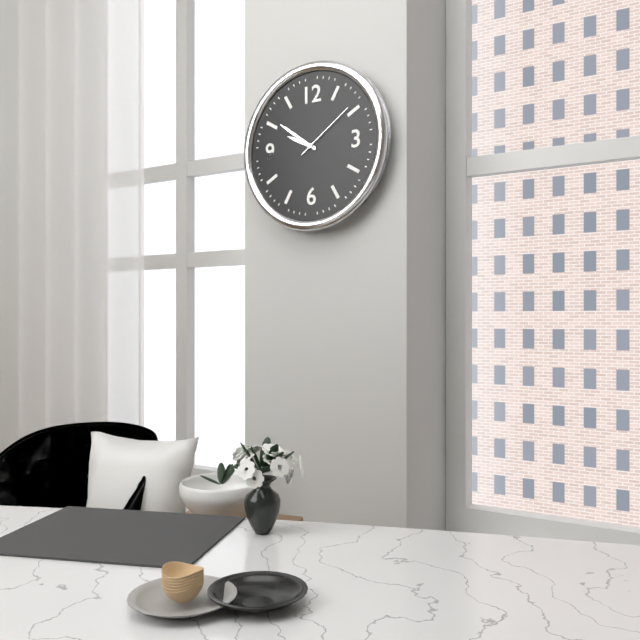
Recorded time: 9:51:09
